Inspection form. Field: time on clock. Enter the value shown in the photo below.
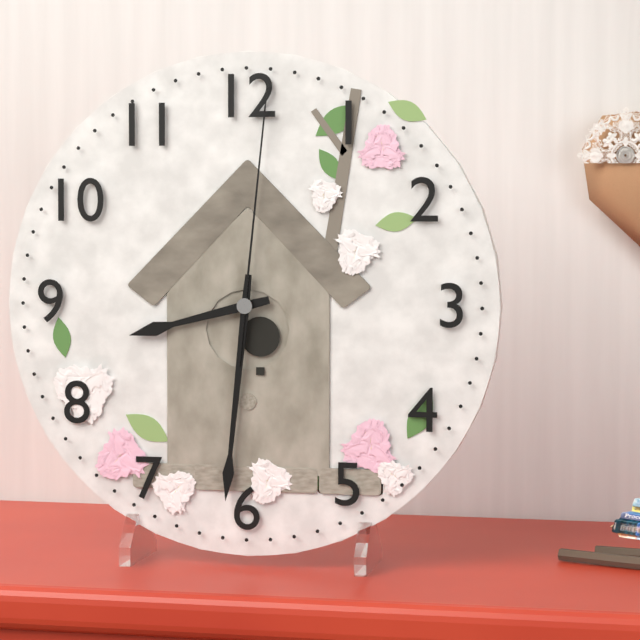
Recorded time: 8:31:01
